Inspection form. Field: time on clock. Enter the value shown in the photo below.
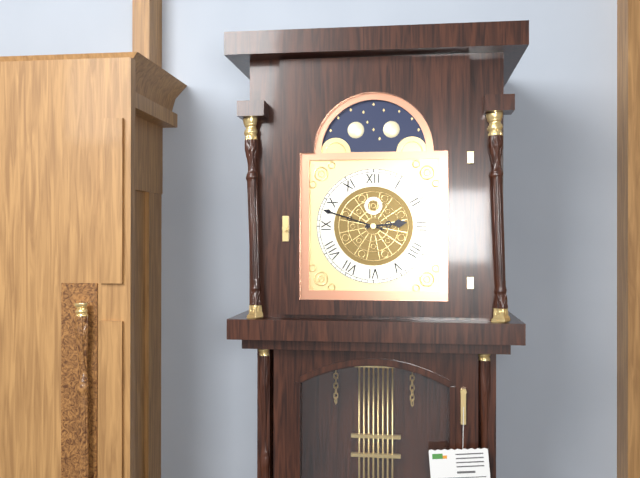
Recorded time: 2:48
